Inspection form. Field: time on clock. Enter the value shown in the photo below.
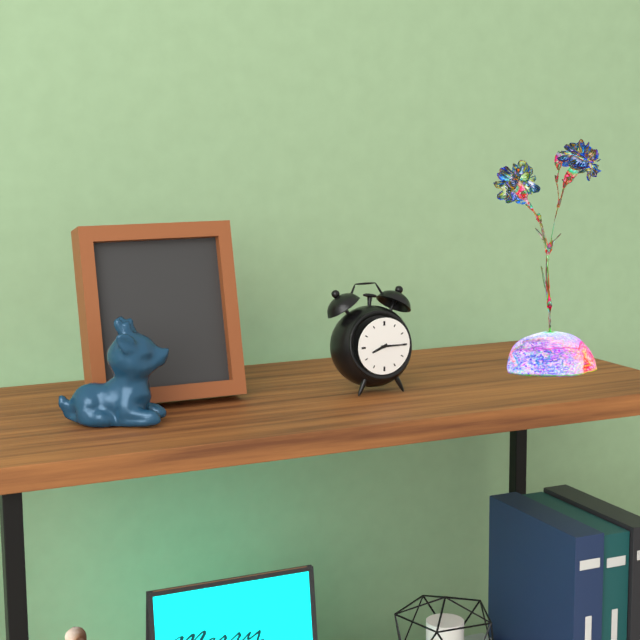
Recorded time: 8:15
